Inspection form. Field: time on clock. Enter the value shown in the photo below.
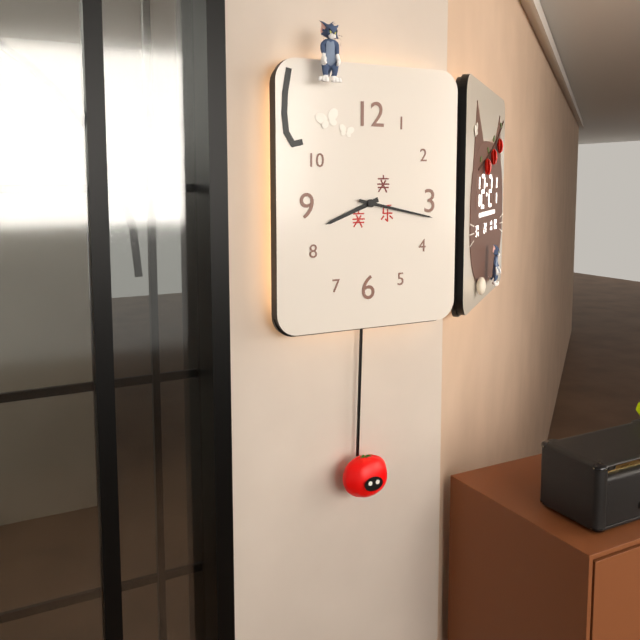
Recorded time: 8:17
